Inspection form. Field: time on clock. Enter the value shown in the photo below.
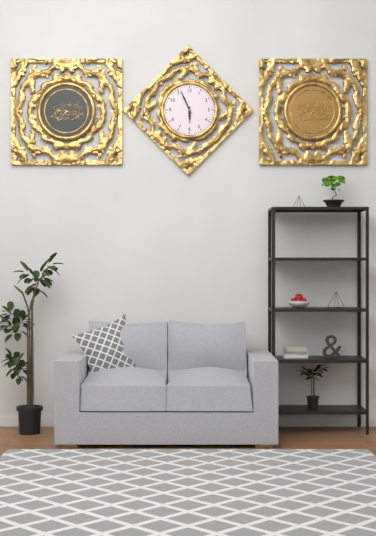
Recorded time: 5:56
